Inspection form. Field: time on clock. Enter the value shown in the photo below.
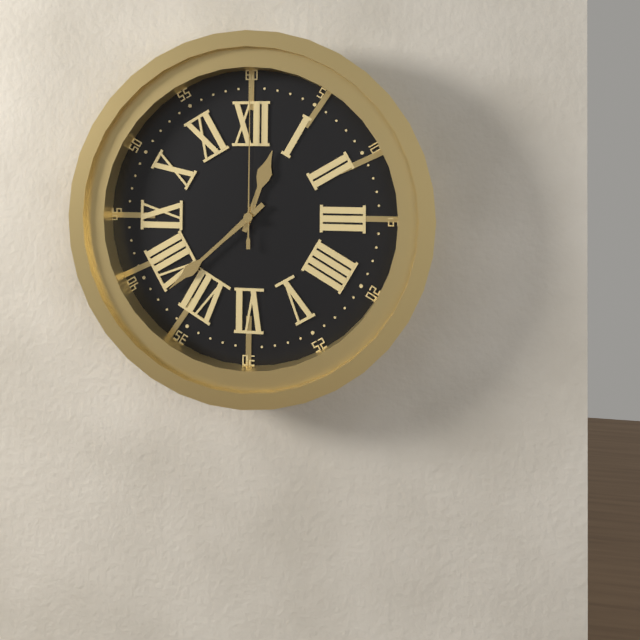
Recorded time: 12:38:00
